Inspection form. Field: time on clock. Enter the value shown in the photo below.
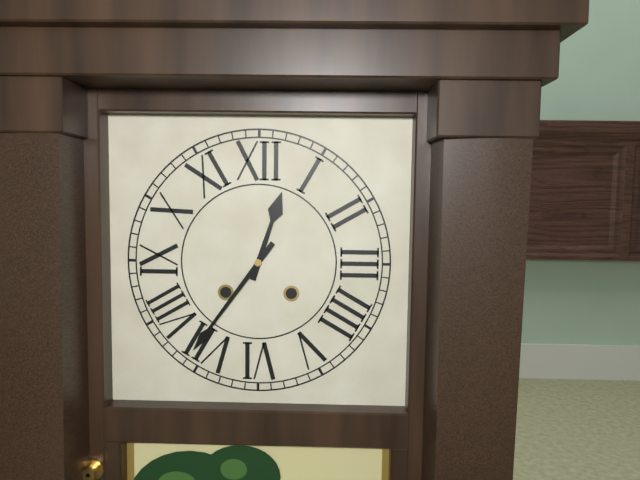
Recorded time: 12:36
